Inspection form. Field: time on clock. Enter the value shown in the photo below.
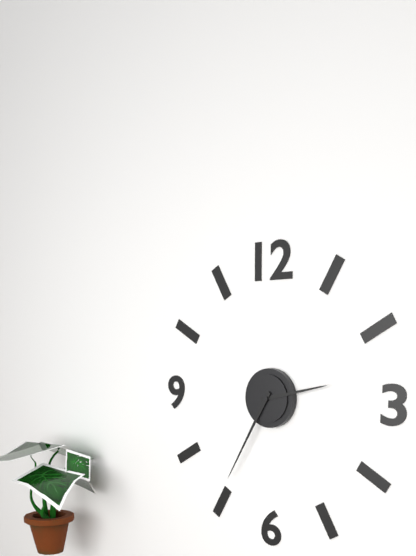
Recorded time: 2:35
